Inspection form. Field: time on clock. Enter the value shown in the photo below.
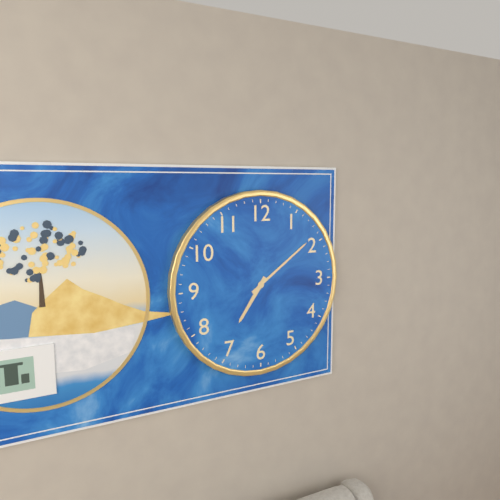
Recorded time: 7:09
